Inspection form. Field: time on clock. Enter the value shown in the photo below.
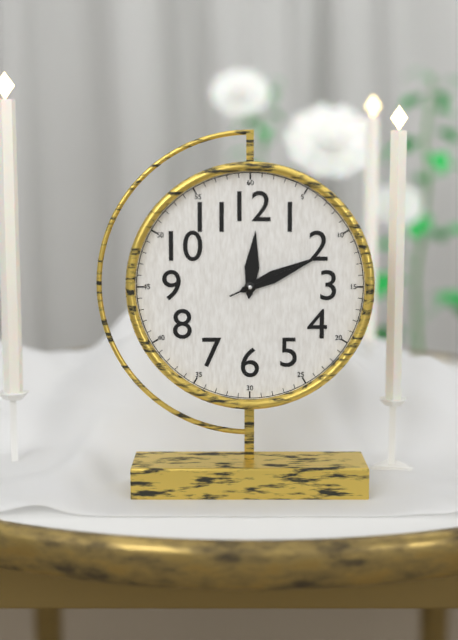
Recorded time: 12:11:11
